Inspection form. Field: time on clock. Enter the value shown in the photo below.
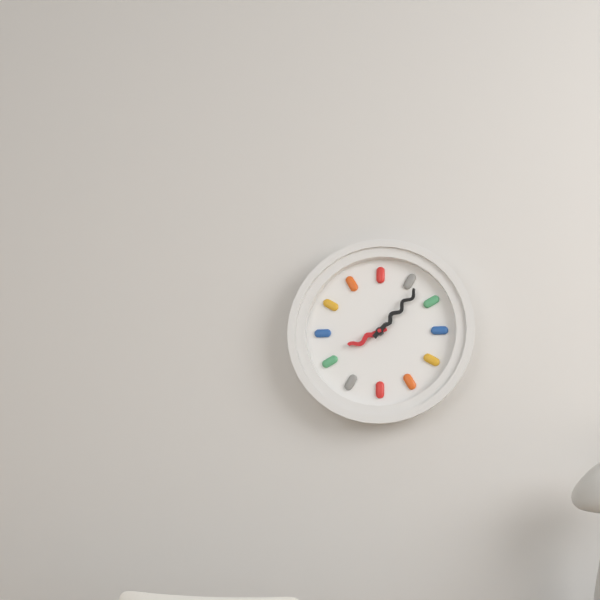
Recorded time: 8:07
